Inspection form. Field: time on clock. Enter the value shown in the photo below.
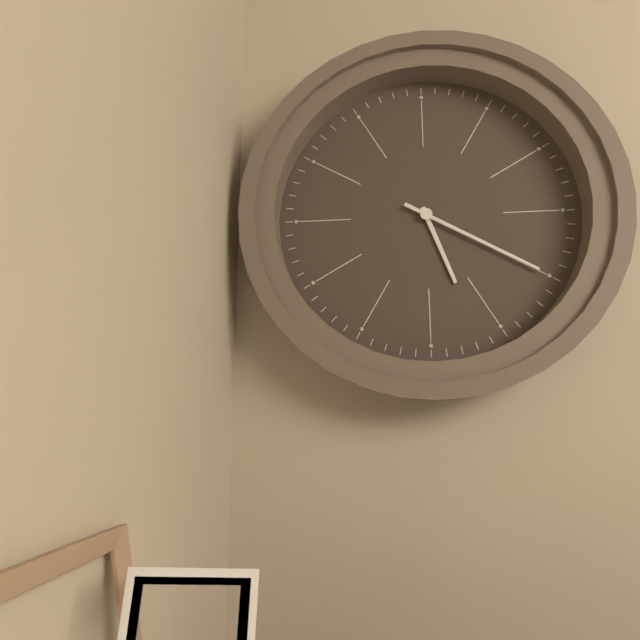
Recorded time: 5:20
